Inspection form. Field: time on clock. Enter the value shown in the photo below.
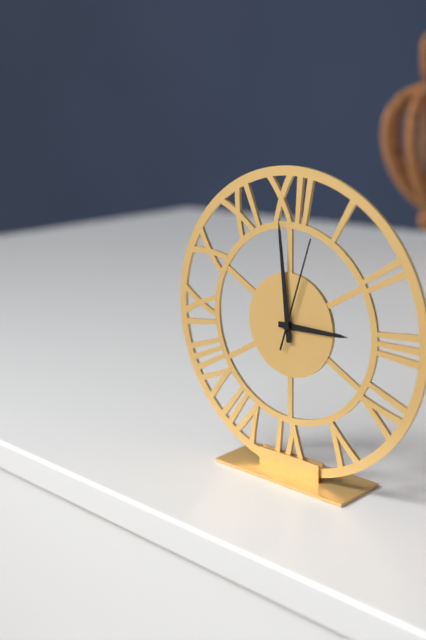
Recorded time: 2:59:03
